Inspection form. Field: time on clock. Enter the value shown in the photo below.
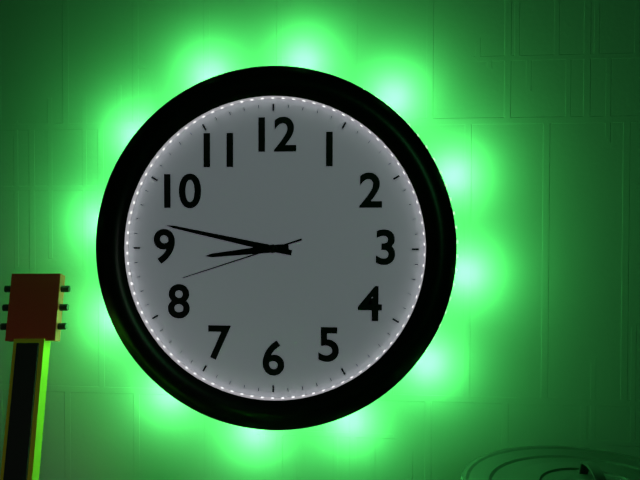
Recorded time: 8:47:42
